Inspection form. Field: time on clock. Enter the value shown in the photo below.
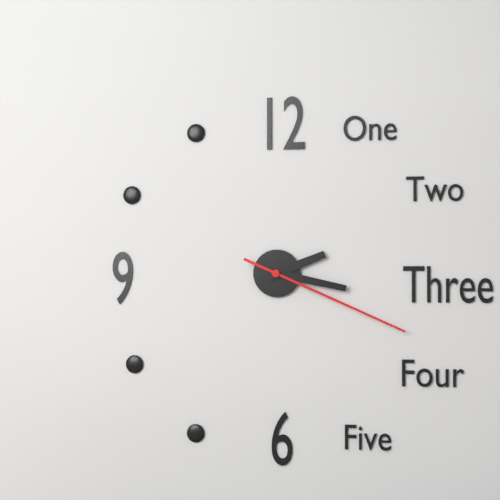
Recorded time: 2:17:19
